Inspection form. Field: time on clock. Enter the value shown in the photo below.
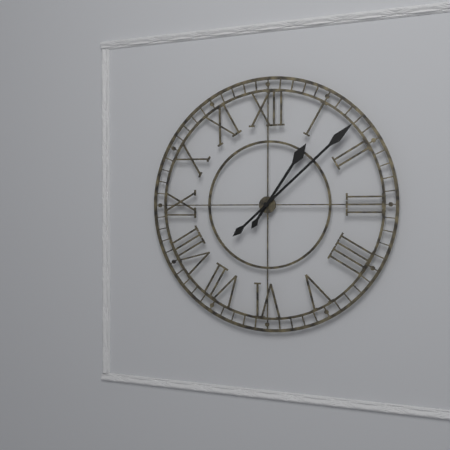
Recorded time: 1:08
